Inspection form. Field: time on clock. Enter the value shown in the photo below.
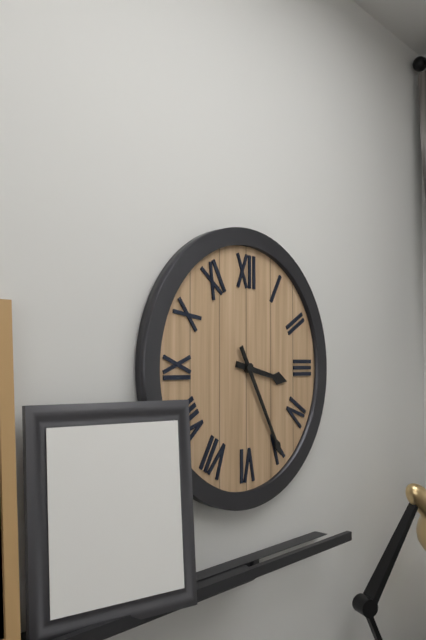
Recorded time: 3:25
